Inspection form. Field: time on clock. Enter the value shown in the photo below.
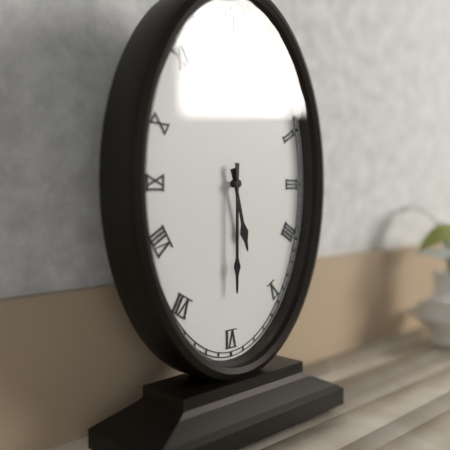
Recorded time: 5:30
